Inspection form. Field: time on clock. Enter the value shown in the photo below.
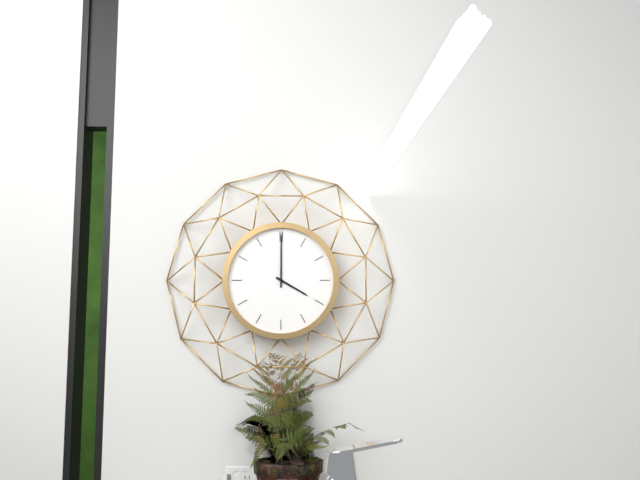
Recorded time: 4:00
